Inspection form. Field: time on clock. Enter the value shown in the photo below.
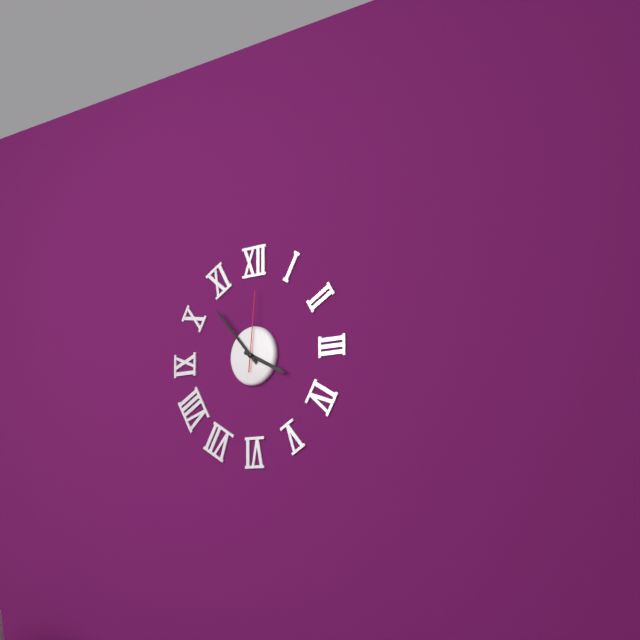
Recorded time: 3:53:01
